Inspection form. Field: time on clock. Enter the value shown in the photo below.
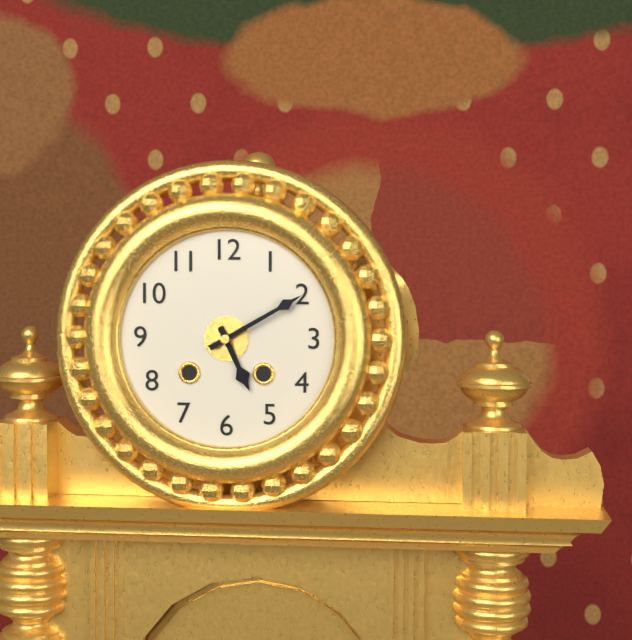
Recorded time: 5:10
